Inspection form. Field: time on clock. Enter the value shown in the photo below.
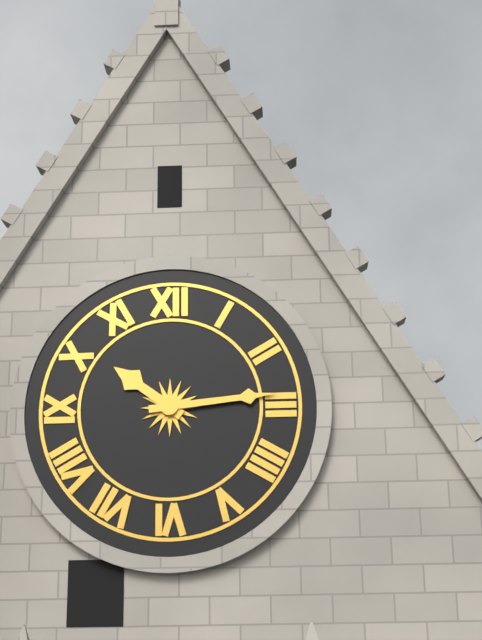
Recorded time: 10:14
